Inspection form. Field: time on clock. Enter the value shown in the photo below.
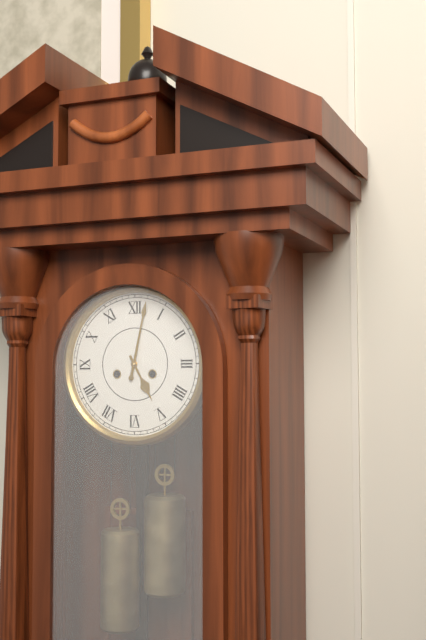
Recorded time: 5:02
